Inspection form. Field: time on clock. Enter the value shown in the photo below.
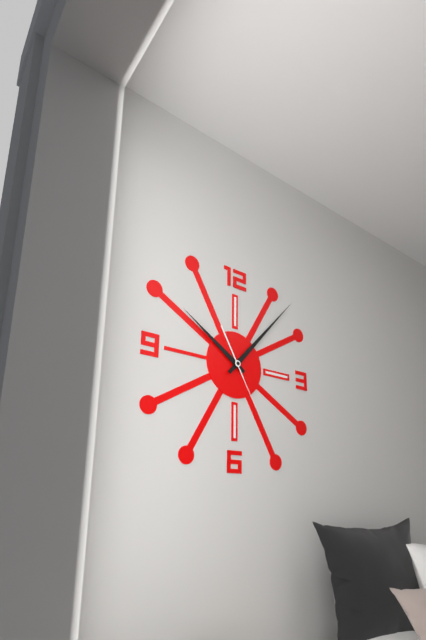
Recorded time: 10:07:25
